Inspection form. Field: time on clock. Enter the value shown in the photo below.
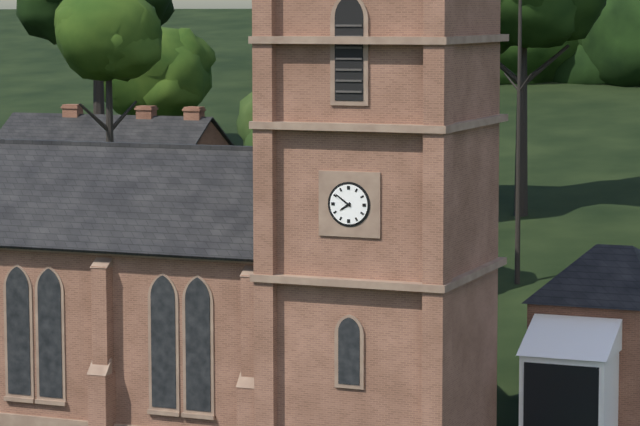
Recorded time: 7:51
